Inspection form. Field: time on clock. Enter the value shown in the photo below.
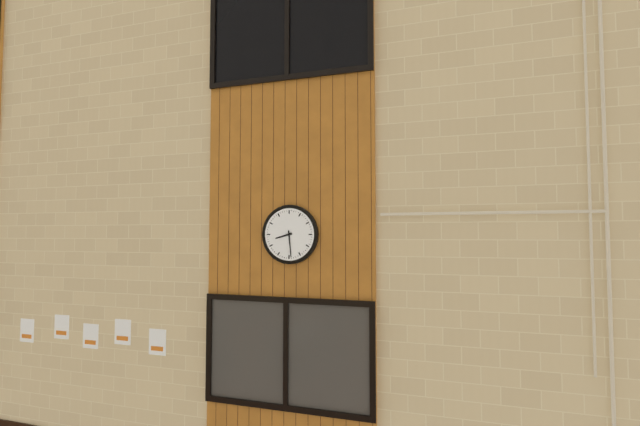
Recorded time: 8:29
